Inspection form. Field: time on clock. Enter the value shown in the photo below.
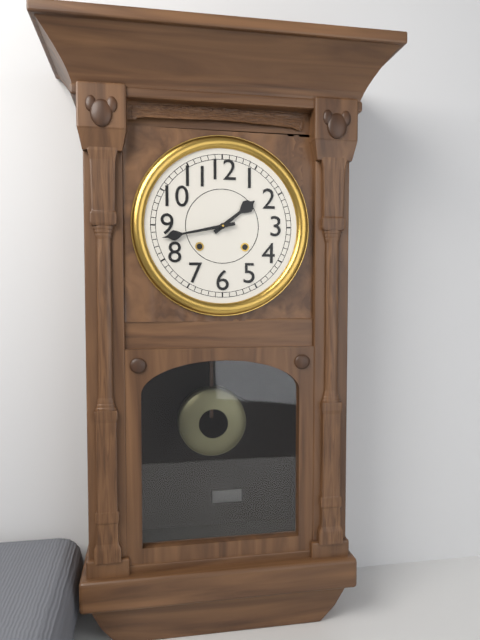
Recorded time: 1:43
